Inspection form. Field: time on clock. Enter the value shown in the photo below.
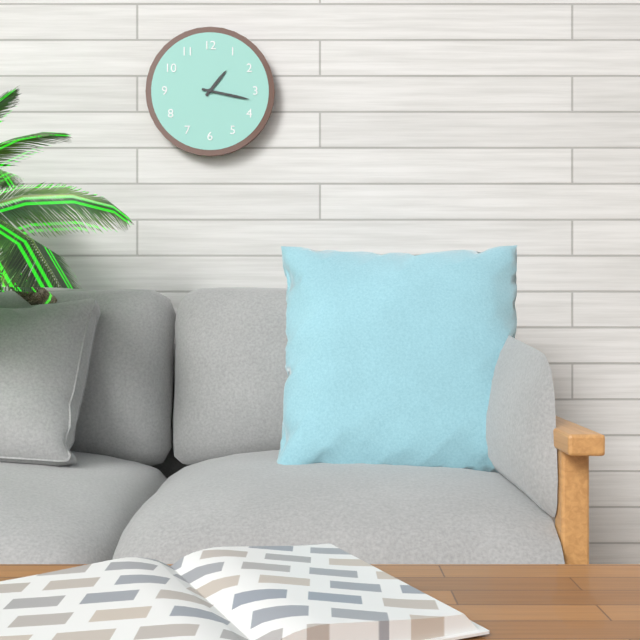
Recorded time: 1:17
